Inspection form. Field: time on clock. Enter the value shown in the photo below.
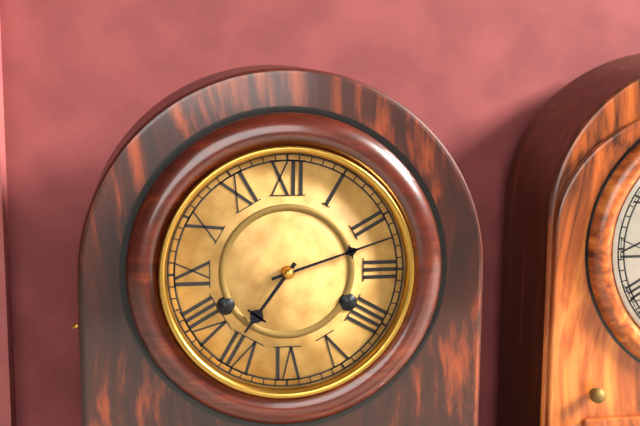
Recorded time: 7:12
